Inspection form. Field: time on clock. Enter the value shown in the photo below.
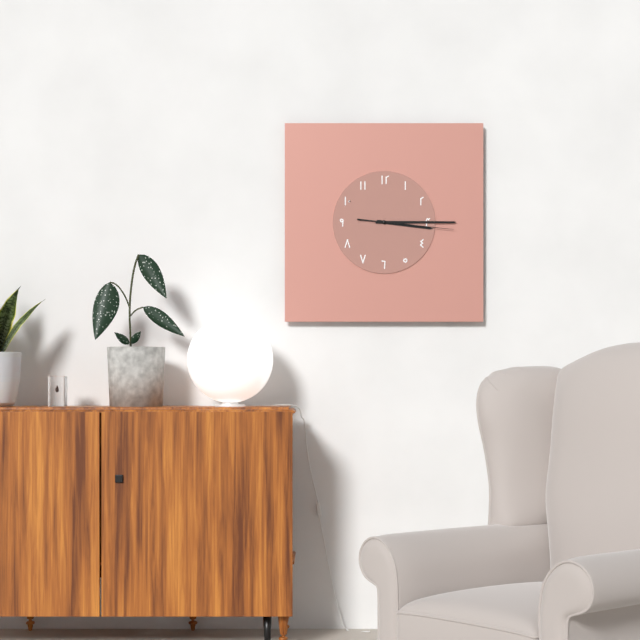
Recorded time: 3:15:16
